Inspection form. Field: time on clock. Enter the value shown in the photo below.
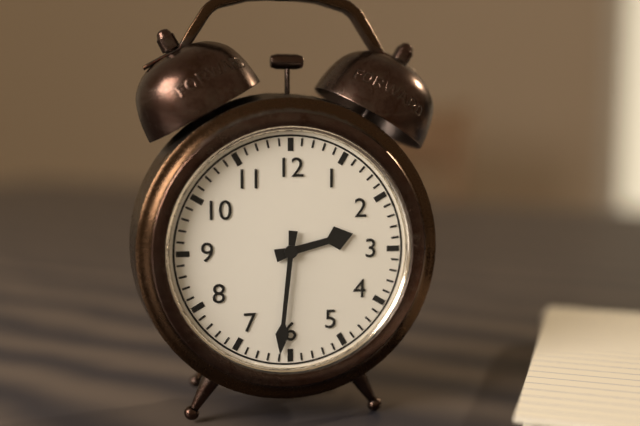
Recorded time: 2:31
